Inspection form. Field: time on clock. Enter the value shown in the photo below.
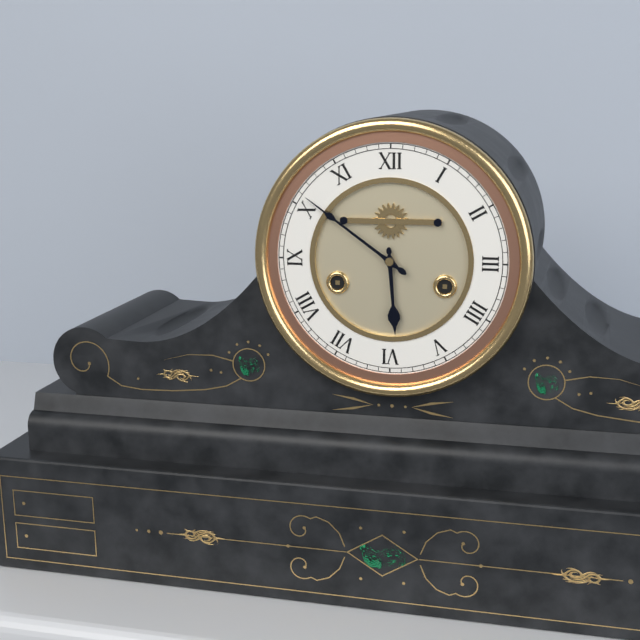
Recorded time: 5:51
